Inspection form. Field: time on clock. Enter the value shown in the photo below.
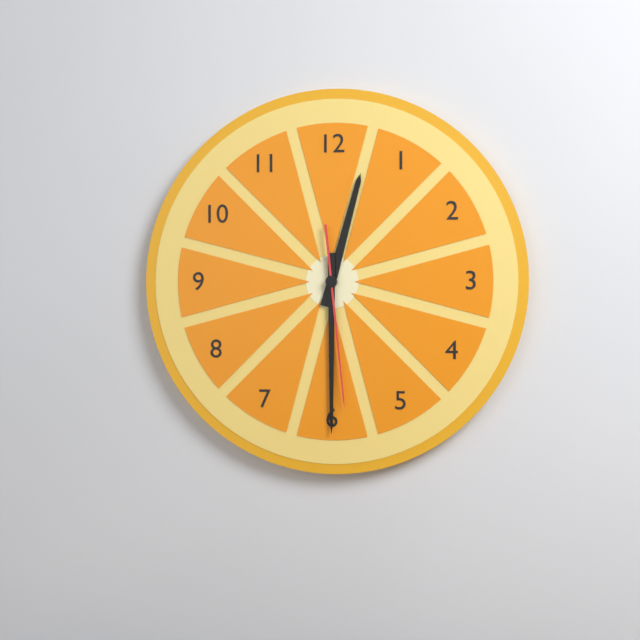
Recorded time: 12:30:29
